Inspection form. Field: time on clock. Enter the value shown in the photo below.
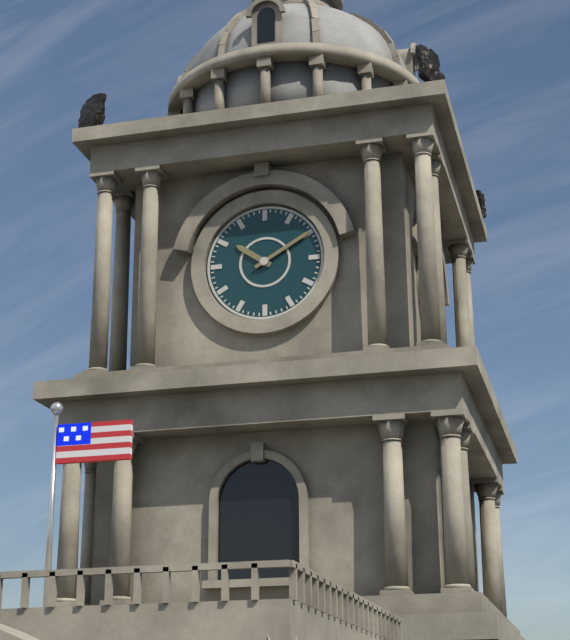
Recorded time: 10:10
